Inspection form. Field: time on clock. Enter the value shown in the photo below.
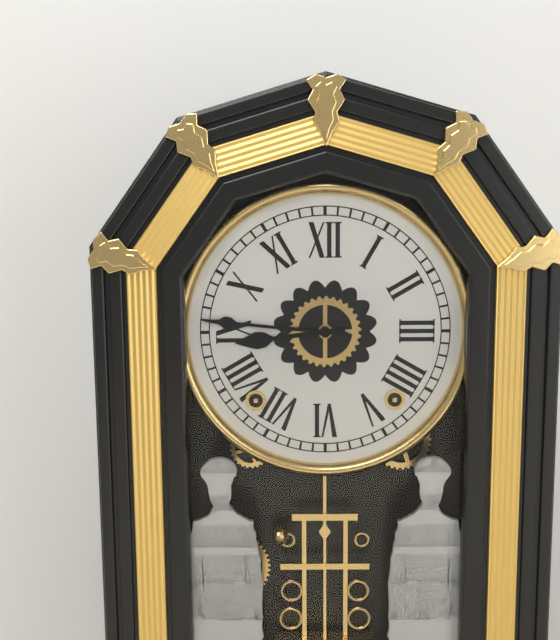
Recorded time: 8:46
